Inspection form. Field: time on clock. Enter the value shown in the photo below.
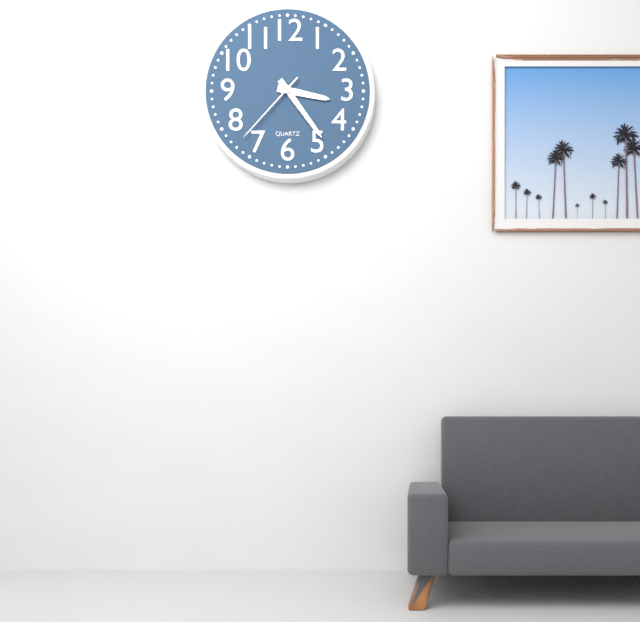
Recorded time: 3:24:37
